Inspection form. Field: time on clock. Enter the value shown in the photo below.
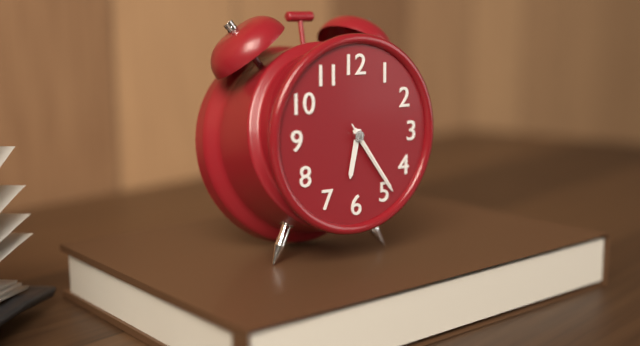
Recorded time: 6:24:24
